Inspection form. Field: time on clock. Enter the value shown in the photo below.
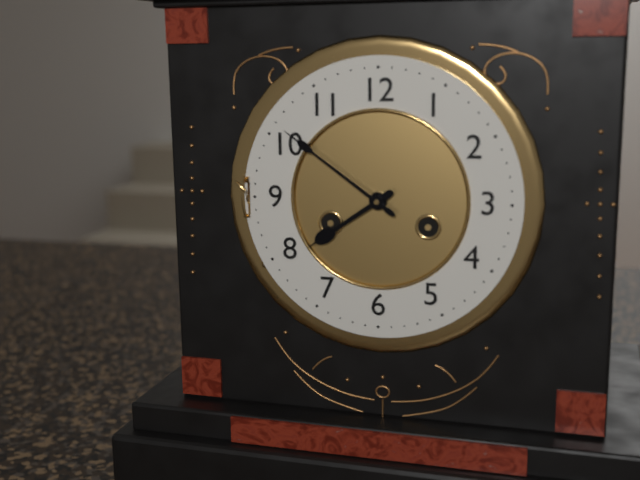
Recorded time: 7:51
